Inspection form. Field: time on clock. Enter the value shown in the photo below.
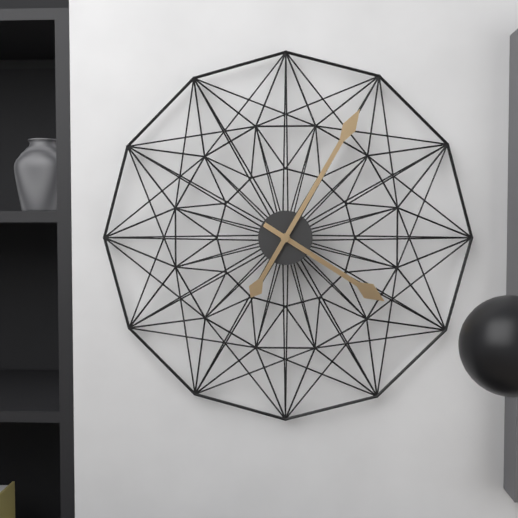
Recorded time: 4:05
